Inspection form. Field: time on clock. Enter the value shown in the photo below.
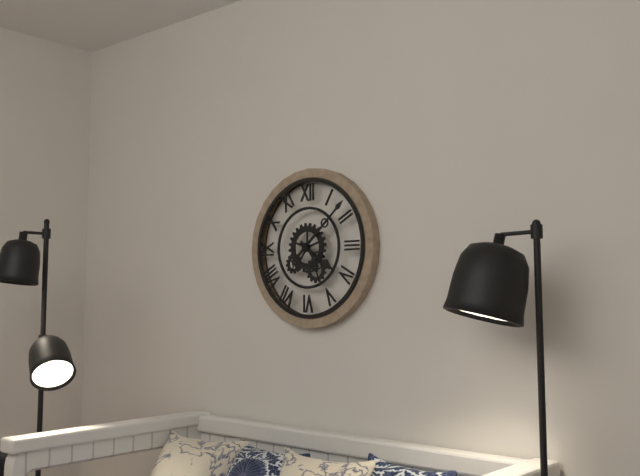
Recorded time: 4:08
